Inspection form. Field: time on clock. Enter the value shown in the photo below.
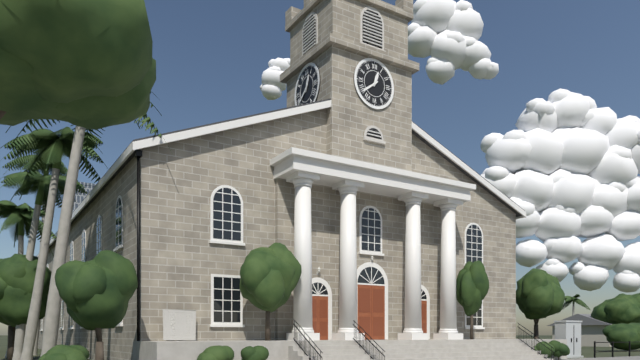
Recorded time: 12:39
